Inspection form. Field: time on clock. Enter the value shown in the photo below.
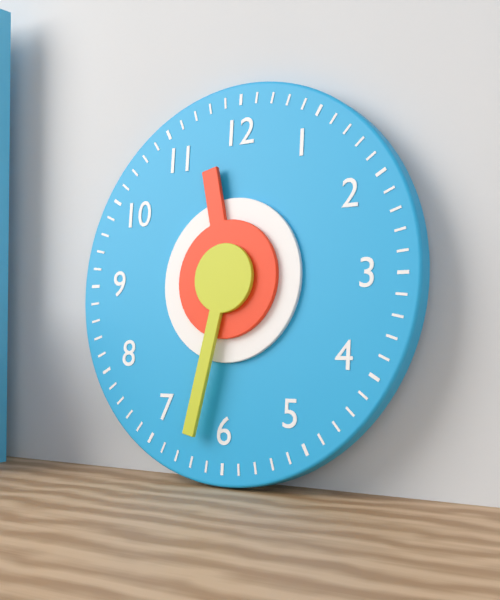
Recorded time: 11:32
